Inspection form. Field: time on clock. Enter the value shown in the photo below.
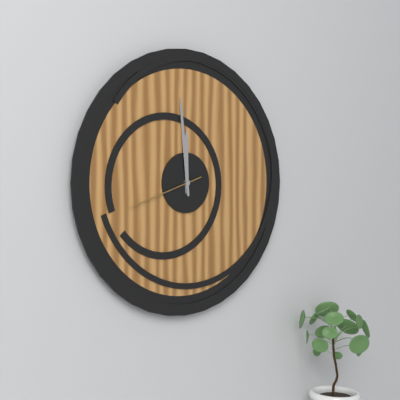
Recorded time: 11:59:42
